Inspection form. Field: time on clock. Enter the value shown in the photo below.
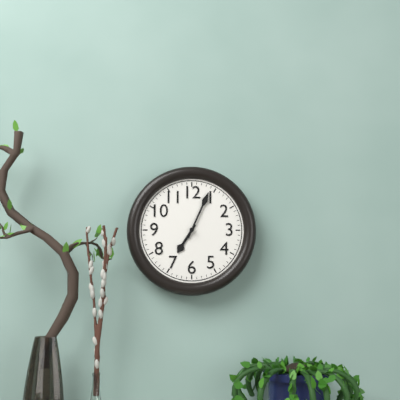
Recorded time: 7:04
